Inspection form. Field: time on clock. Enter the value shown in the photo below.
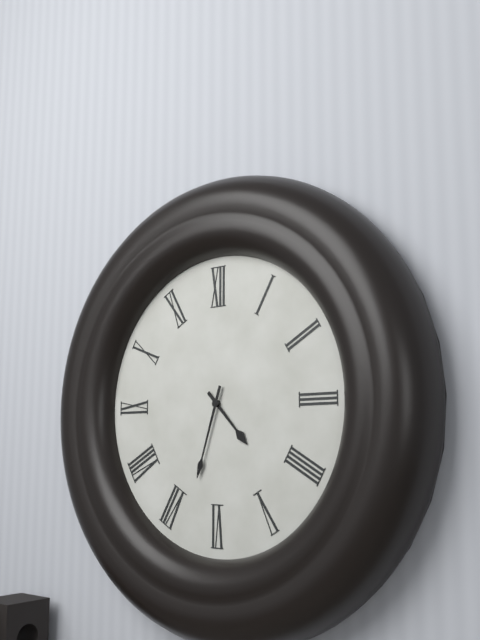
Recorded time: 4:33
